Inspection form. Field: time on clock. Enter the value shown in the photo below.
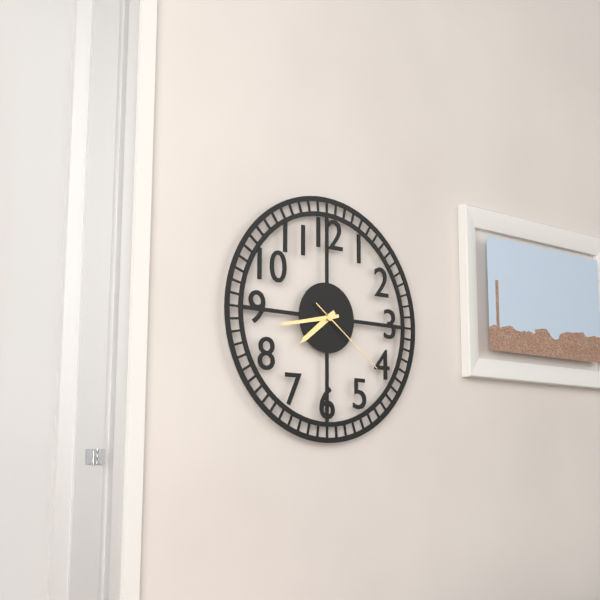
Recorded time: 7:43:21
